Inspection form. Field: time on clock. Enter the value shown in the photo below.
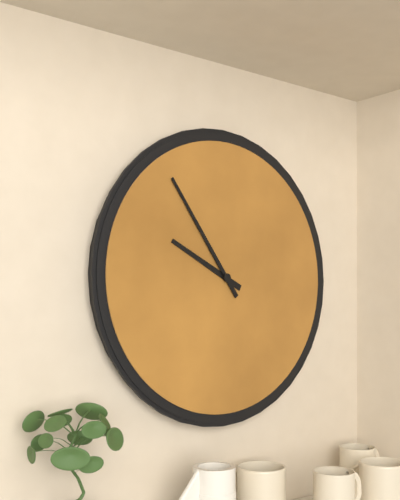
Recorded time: 9:54
